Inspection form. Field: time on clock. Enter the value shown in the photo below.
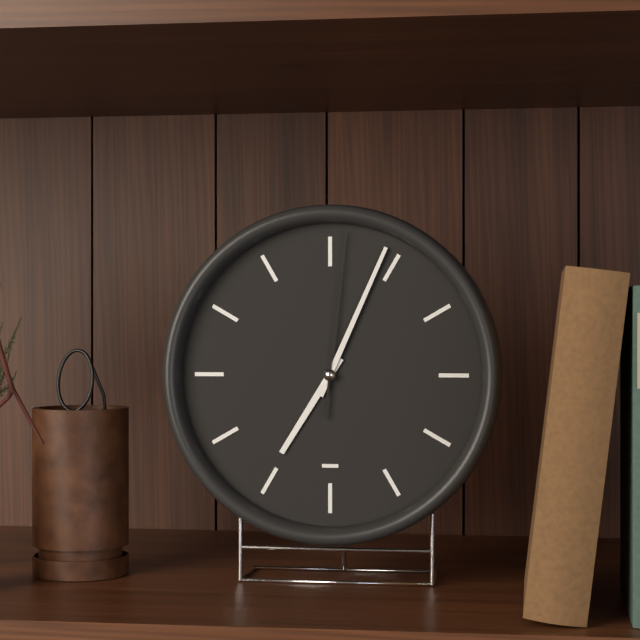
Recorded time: 7:04:01
